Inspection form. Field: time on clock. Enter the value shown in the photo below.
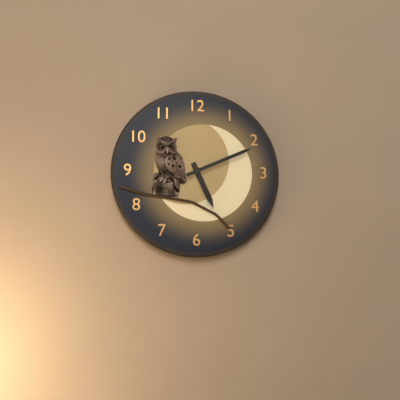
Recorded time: 5:11
